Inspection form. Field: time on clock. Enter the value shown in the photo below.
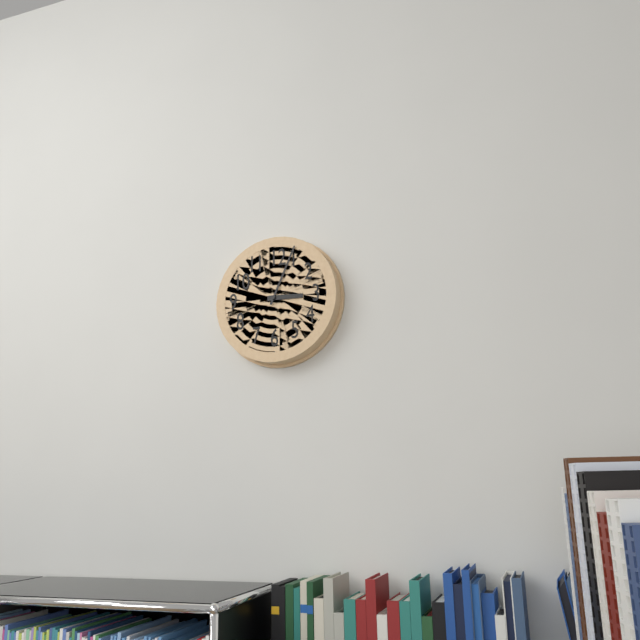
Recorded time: 3:04
